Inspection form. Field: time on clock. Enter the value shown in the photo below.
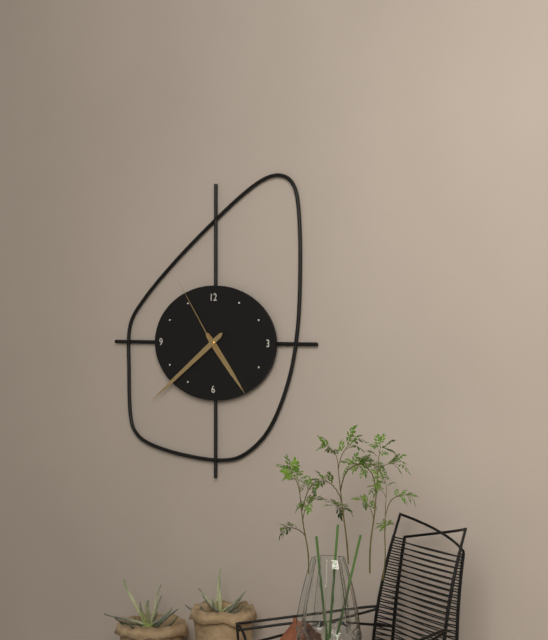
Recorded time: 4:39:54
